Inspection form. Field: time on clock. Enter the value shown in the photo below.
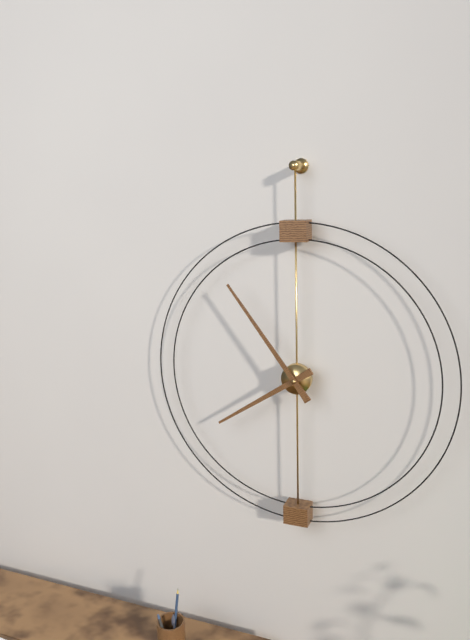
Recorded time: 7:54
